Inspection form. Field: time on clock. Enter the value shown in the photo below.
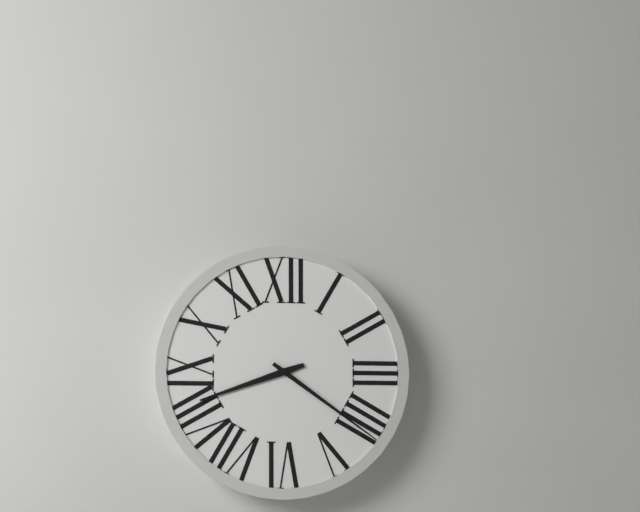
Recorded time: 8:21
